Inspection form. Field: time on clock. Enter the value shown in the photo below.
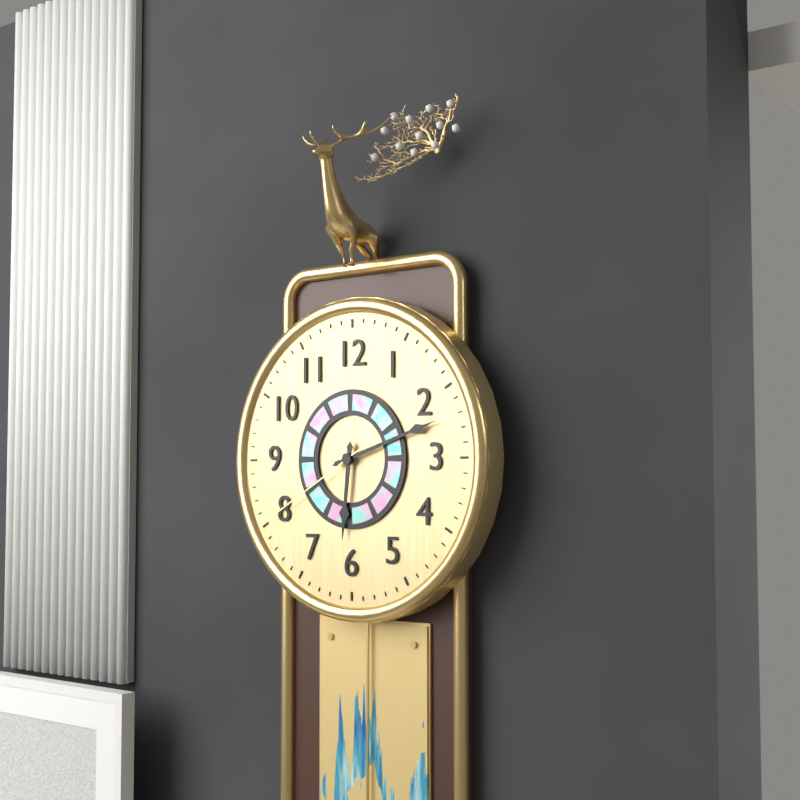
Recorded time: 6:12:40
